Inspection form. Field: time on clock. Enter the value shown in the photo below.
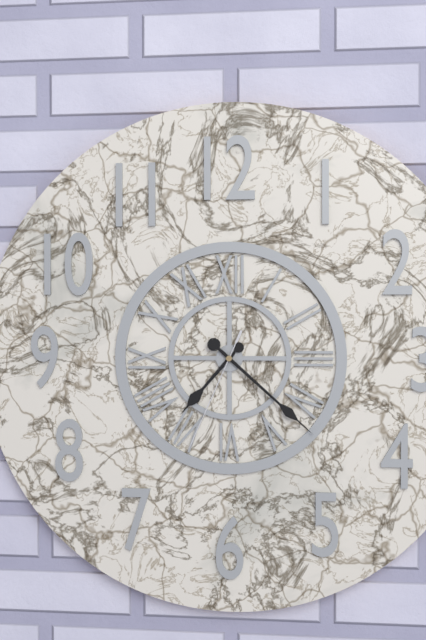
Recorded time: 7:22:34
